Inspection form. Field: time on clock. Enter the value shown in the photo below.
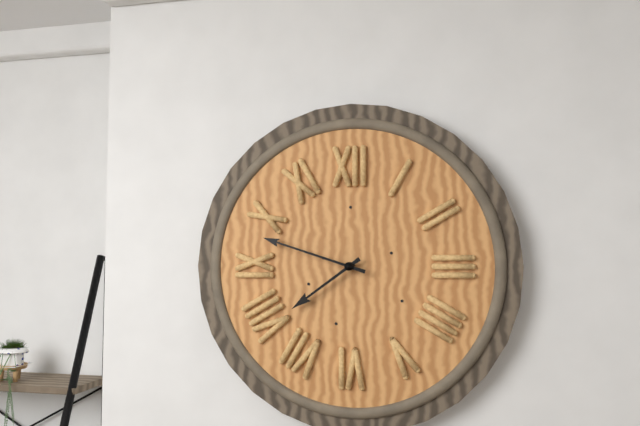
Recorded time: 7:48
